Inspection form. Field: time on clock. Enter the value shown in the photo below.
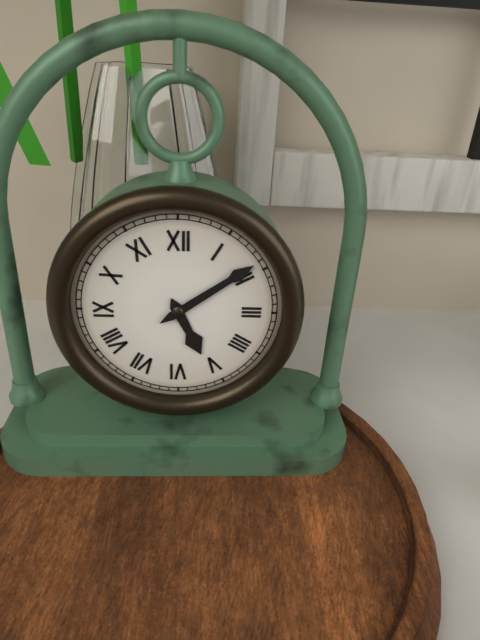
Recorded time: 5:09
